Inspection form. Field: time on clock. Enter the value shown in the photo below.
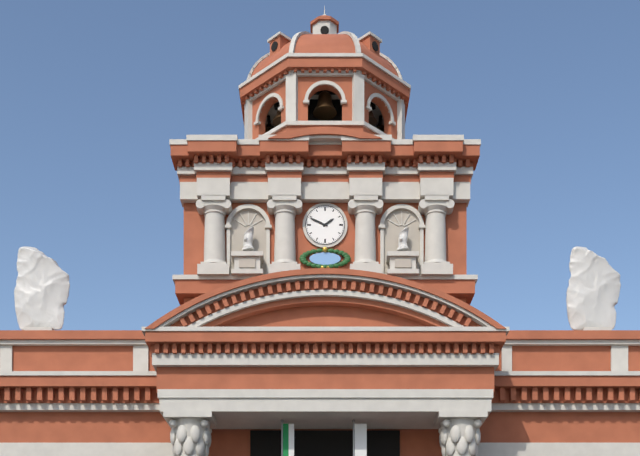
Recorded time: 1:49
